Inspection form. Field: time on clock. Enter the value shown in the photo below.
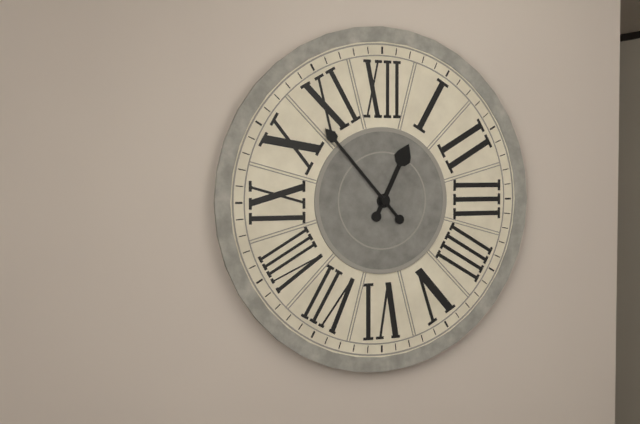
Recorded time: 12:53
